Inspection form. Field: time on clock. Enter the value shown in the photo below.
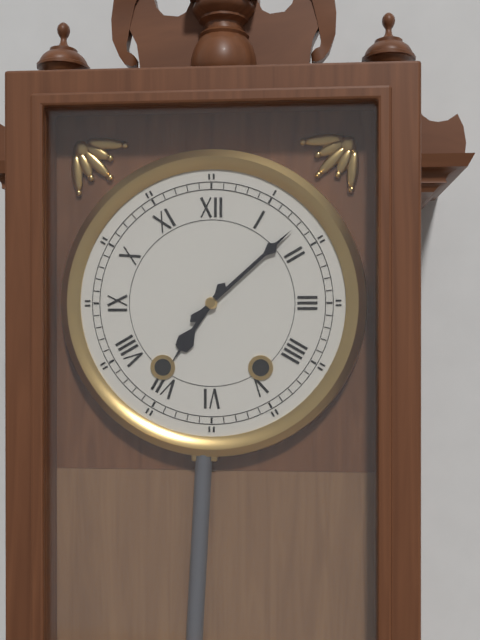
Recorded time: 7:08
